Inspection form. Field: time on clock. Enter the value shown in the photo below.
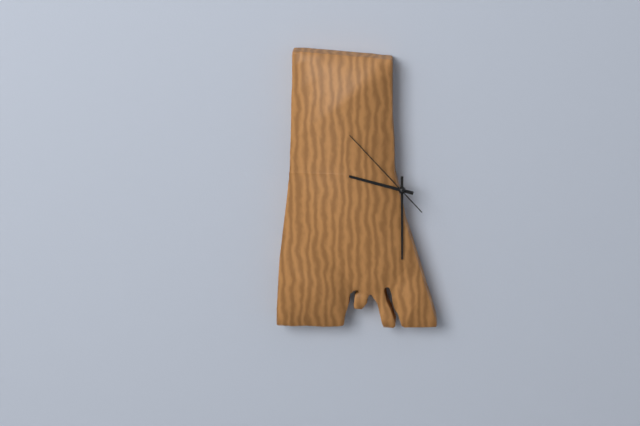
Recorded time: 9:30:53
